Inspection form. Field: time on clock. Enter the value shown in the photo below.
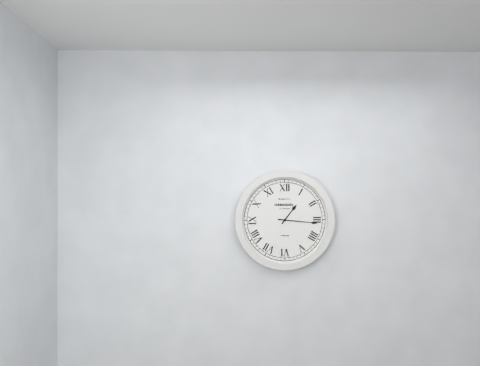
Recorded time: 1:16
